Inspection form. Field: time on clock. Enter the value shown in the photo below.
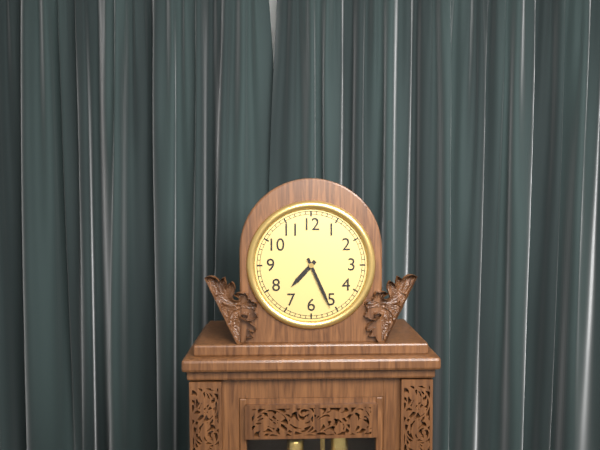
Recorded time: 7:26
